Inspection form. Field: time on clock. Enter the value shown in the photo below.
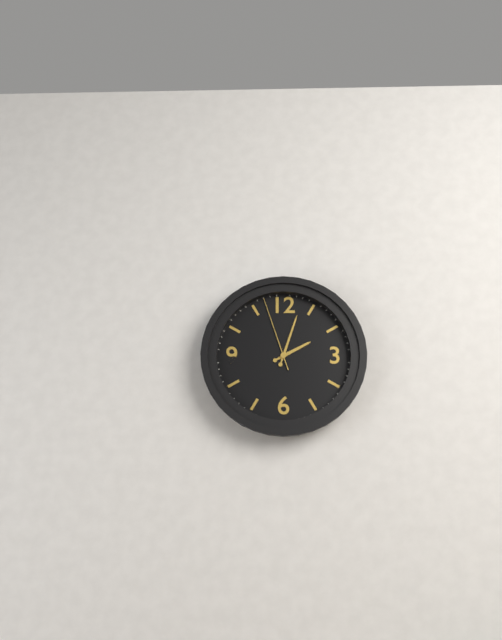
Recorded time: 2:03:57
